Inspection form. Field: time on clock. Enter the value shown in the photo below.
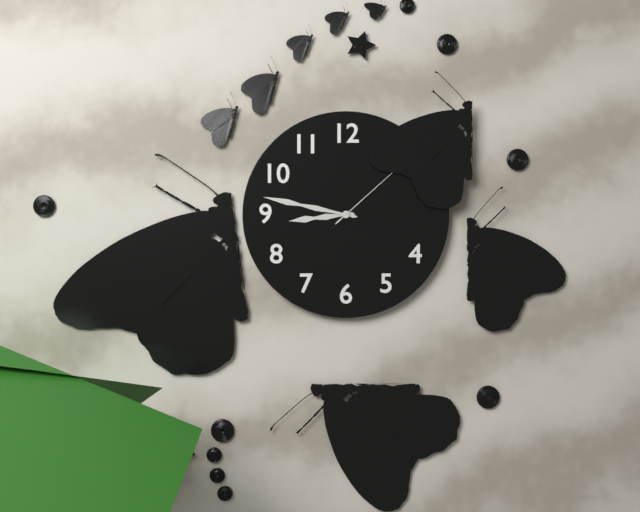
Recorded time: 8:47:08
